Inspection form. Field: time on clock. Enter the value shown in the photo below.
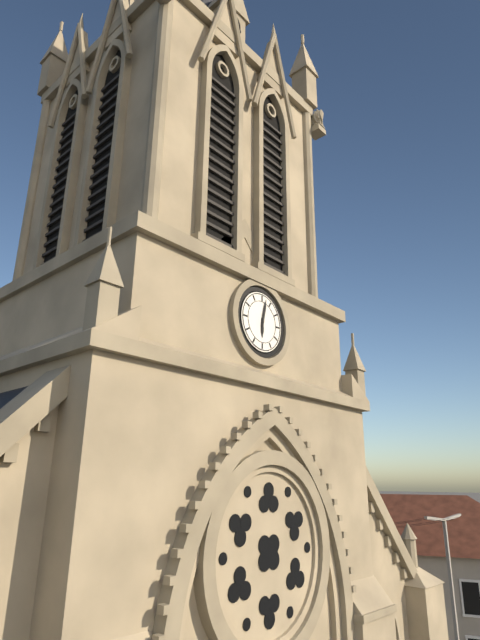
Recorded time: 6:02
